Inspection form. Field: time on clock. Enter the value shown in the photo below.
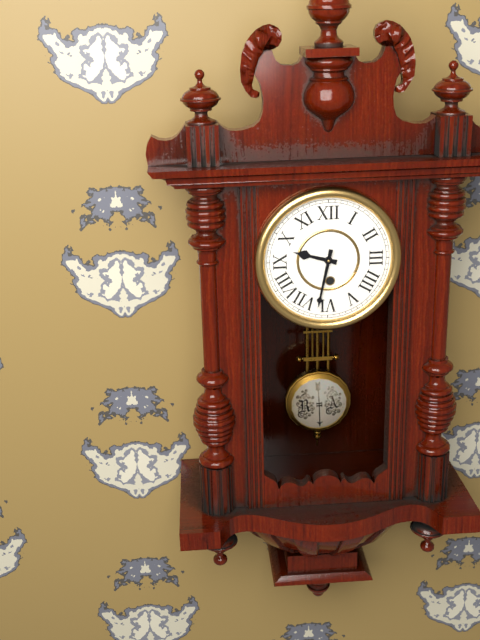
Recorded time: 9:32
